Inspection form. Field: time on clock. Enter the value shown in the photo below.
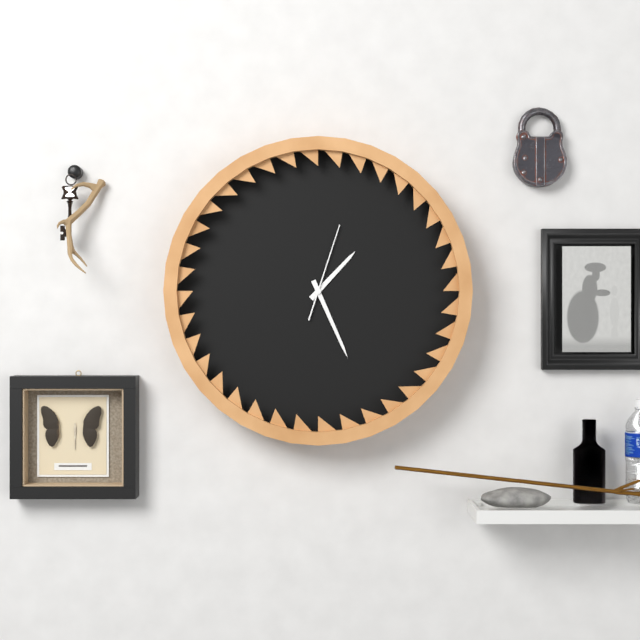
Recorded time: 1:26:03
